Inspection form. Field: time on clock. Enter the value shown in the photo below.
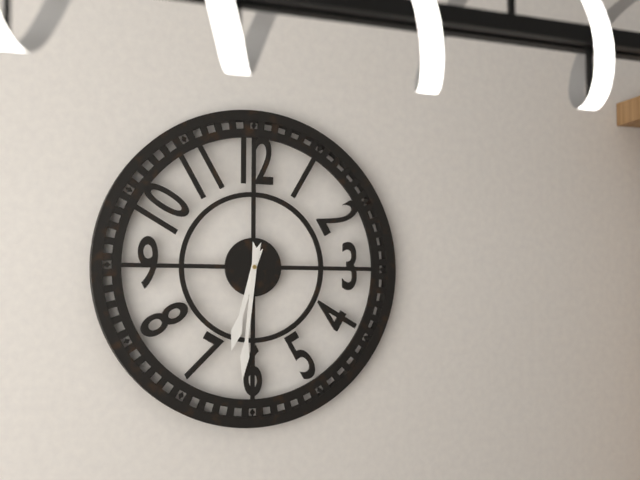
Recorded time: 6:31
